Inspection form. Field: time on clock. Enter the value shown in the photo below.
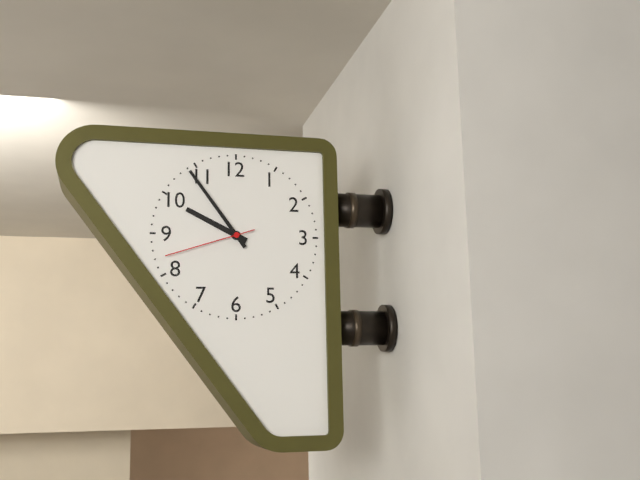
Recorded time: 9:54:42
